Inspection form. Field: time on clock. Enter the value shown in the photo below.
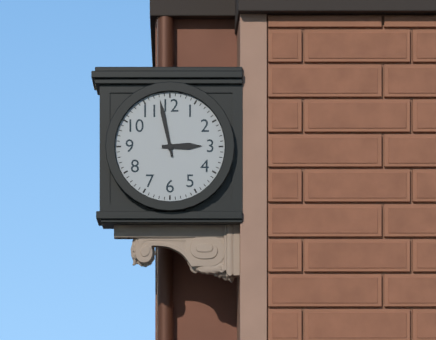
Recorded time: 2:58
